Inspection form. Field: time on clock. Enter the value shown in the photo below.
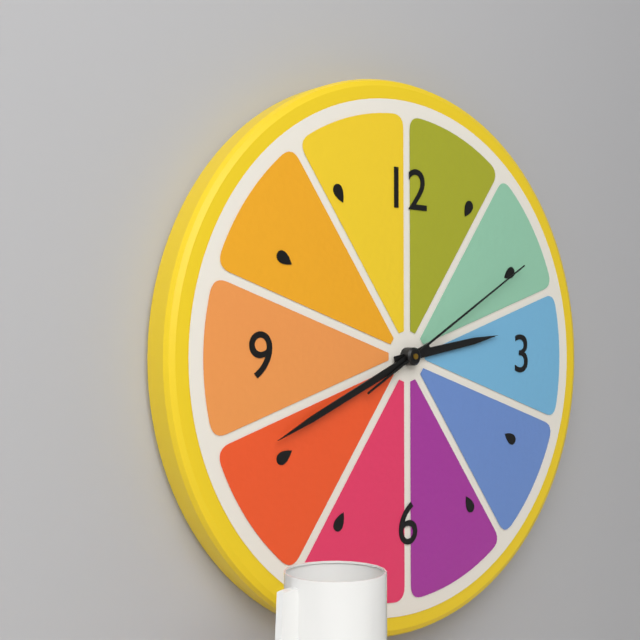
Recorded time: 2:41:10
